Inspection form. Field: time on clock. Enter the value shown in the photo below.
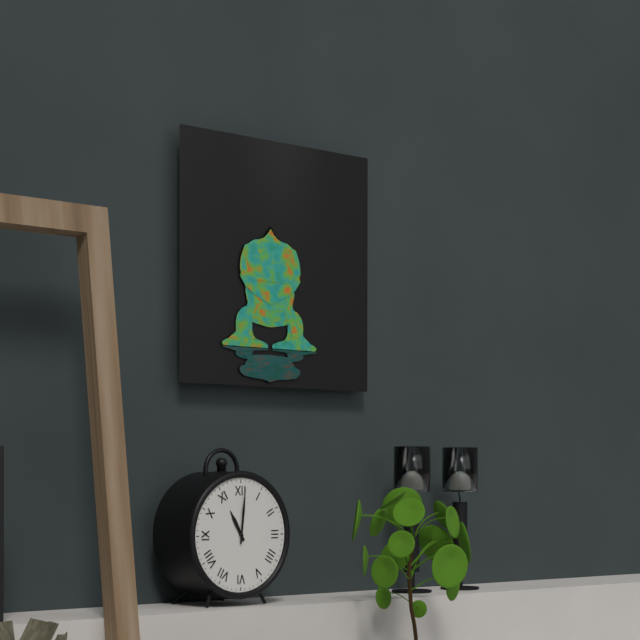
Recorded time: 11:01
